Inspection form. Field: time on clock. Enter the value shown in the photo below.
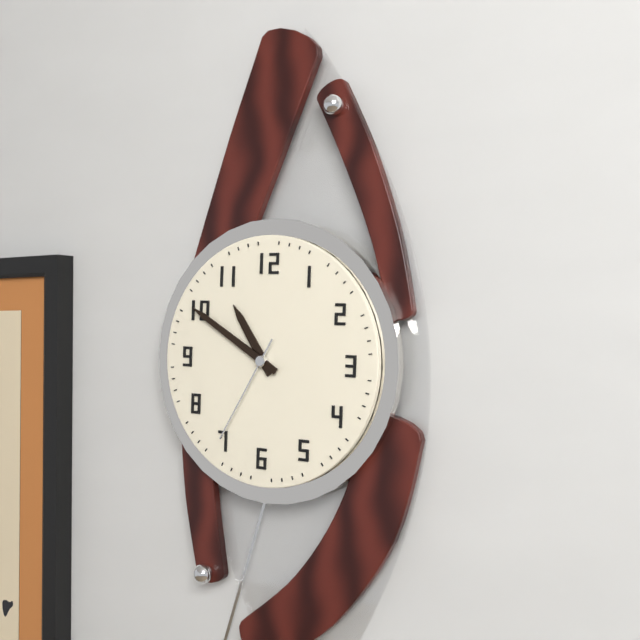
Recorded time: 10:50:35
